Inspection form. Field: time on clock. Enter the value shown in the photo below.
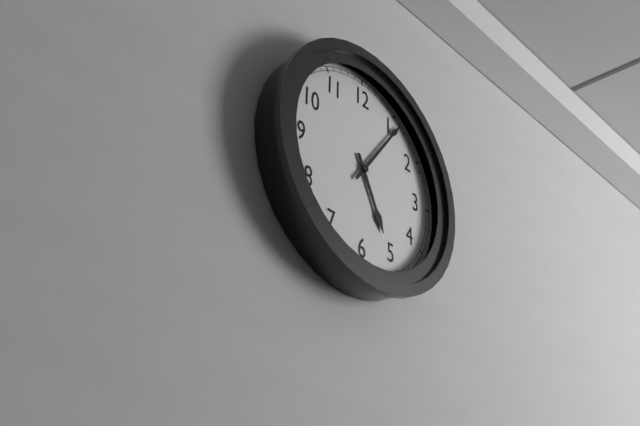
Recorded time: 5:06
